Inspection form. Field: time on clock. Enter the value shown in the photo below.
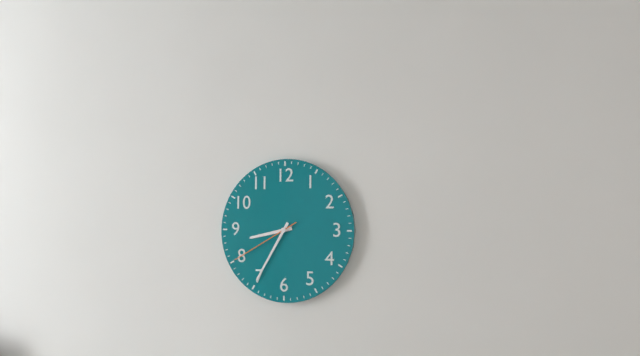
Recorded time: 8:35:40
